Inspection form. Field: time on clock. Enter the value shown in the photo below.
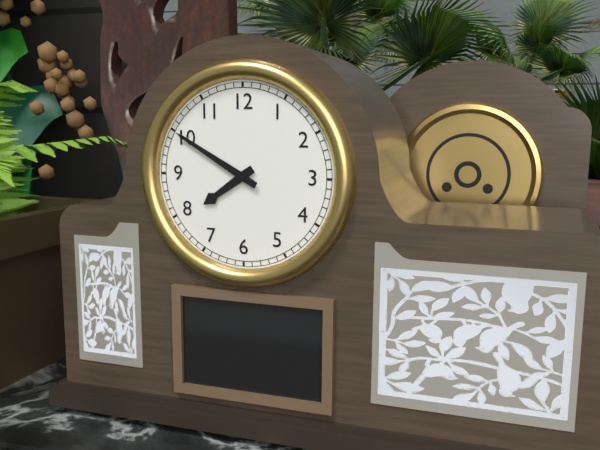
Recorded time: 7:50
